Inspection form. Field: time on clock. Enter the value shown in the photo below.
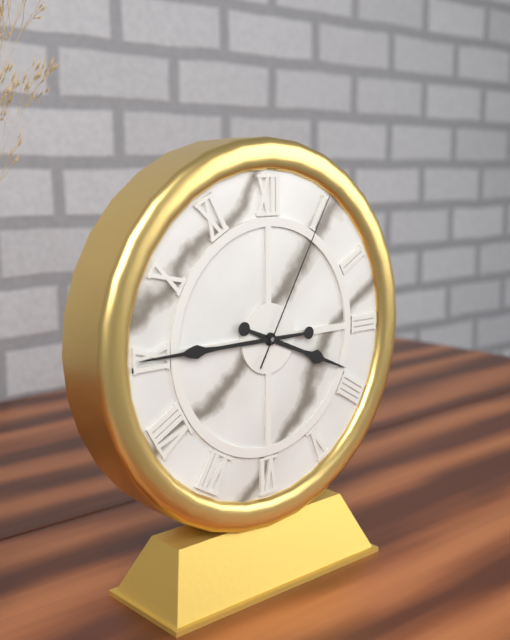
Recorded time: 3:45:05
